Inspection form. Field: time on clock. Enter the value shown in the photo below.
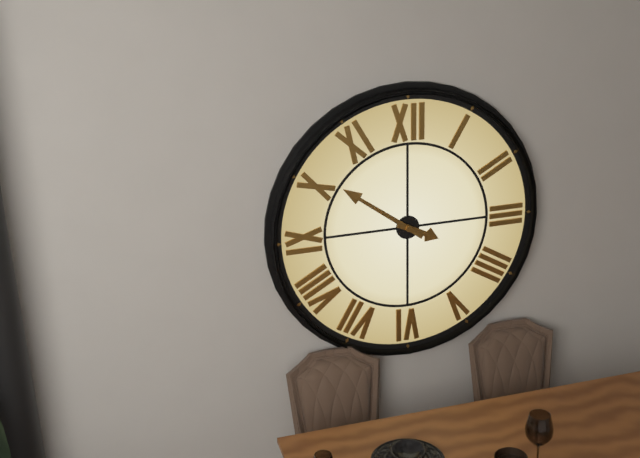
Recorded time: 3:51
